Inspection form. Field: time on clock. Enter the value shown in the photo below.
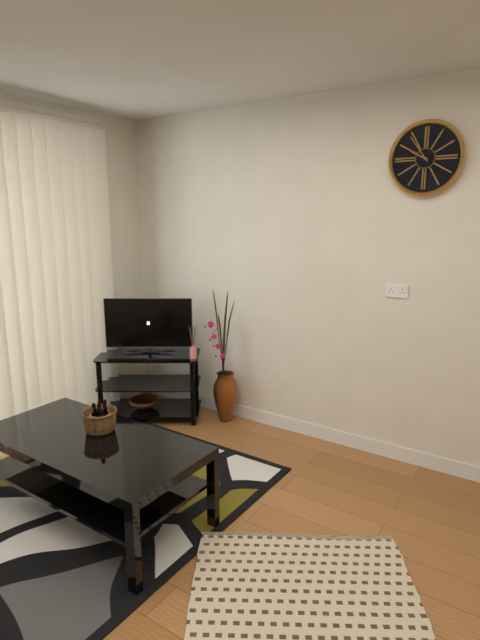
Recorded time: 9:54
